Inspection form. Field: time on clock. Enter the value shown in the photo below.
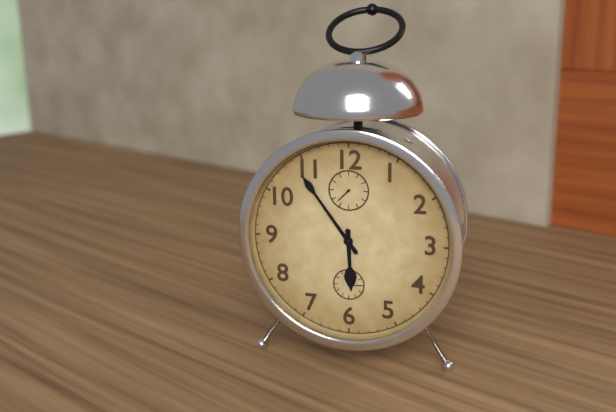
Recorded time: 5:54
